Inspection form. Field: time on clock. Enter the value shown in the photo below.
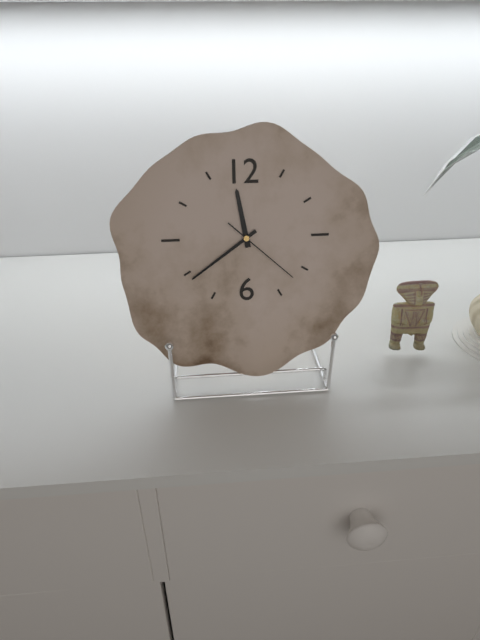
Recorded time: 11:39:22
